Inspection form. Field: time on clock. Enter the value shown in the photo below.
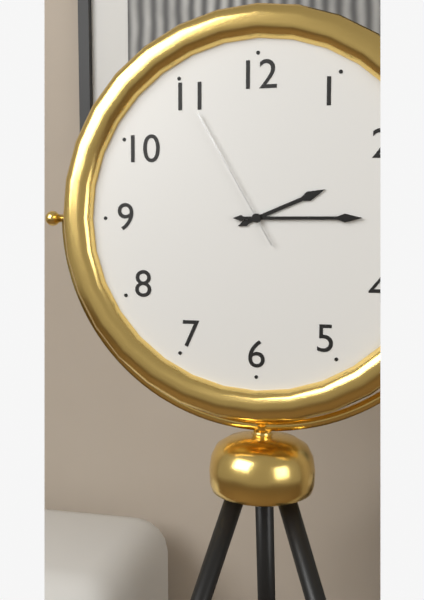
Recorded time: 2:15:55
